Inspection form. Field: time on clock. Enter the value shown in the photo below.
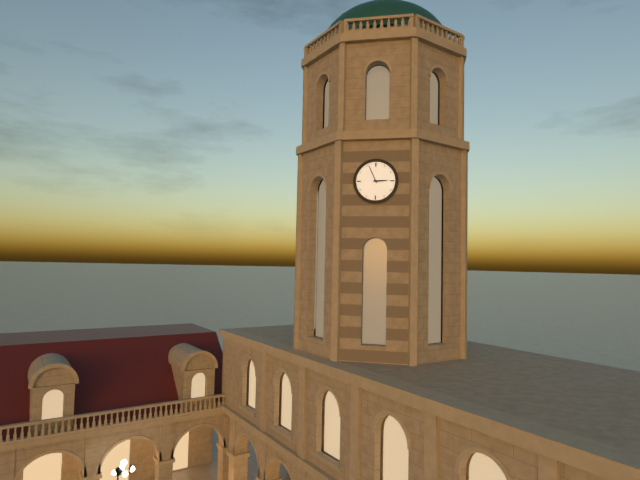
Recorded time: 2:56
